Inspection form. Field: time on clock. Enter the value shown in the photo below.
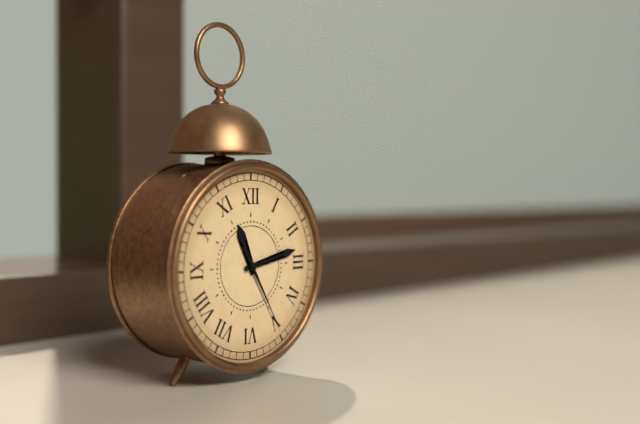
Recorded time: 11:13:25
